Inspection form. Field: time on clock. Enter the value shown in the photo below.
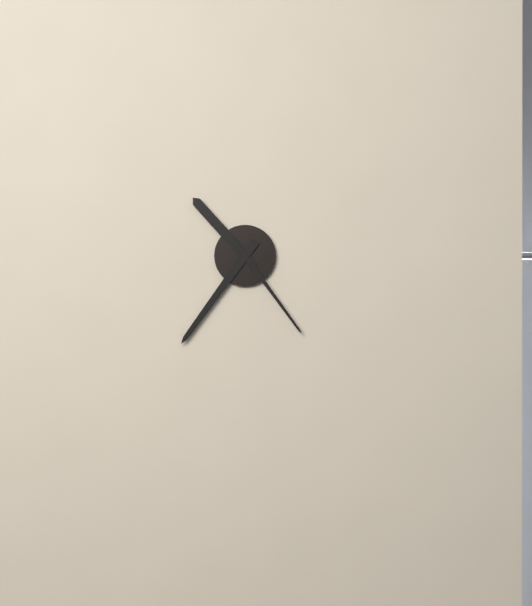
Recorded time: 10:36:24
